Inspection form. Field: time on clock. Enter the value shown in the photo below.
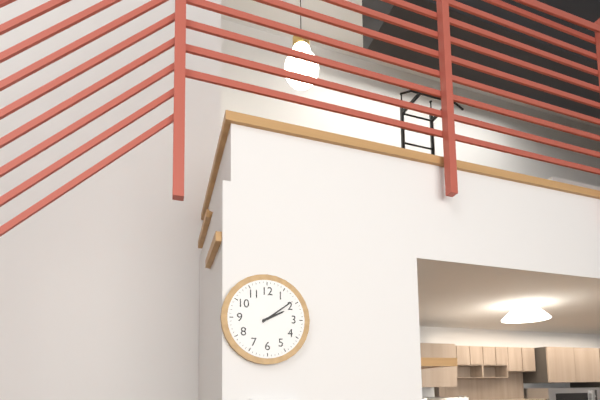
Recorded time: 2:09
